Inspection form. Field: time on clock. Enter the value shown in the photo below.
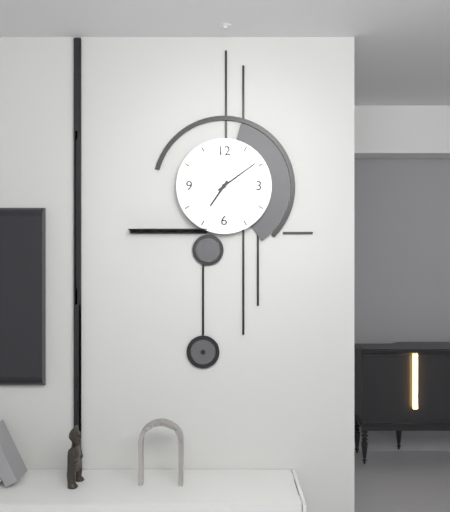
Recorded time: 7:09
